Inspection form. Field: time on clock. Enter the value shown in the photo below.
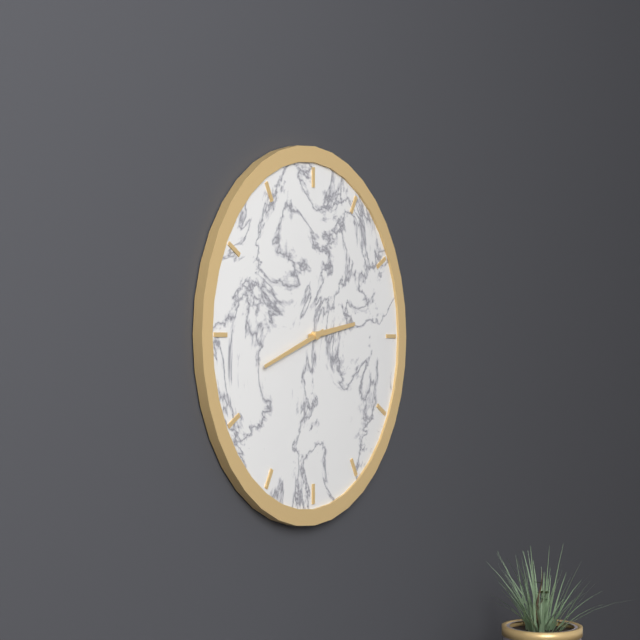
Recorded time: 2:42
